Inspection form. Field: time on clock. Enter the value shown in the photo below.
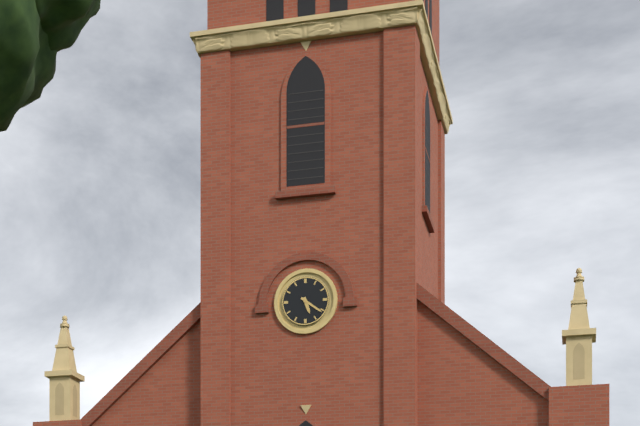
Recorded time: 5:21
